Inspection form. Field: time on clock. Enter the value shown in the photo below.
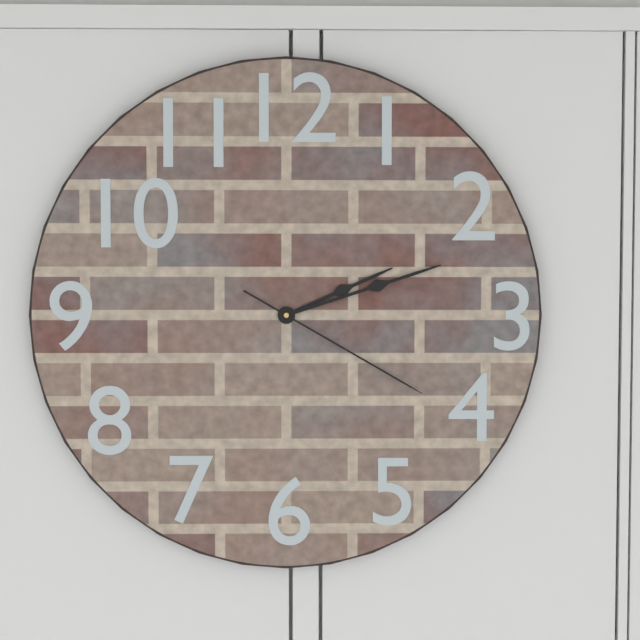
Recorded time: 2:12:20
